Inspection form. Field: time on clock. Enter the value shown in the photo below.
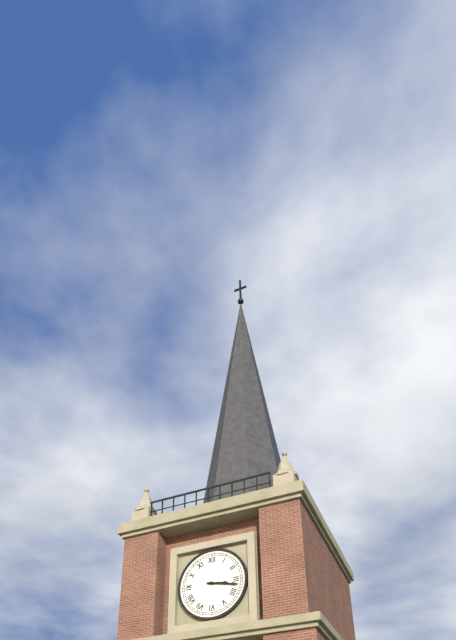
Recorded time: 3:17
